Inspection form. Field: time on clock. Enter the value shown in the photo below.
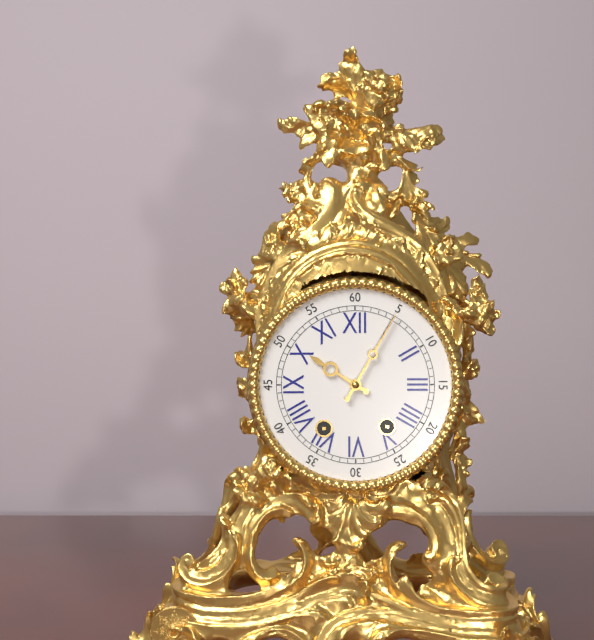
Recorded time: 10:05
